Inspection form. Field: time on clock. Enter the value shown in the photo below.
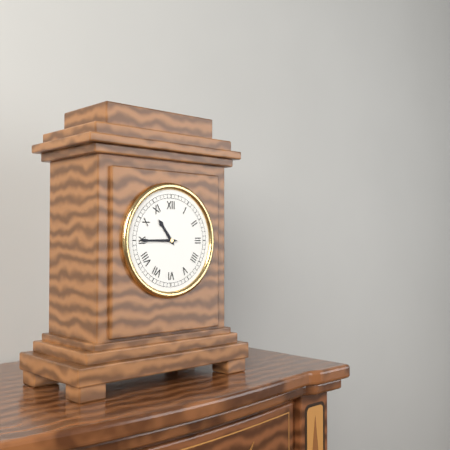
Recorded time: 10:45
